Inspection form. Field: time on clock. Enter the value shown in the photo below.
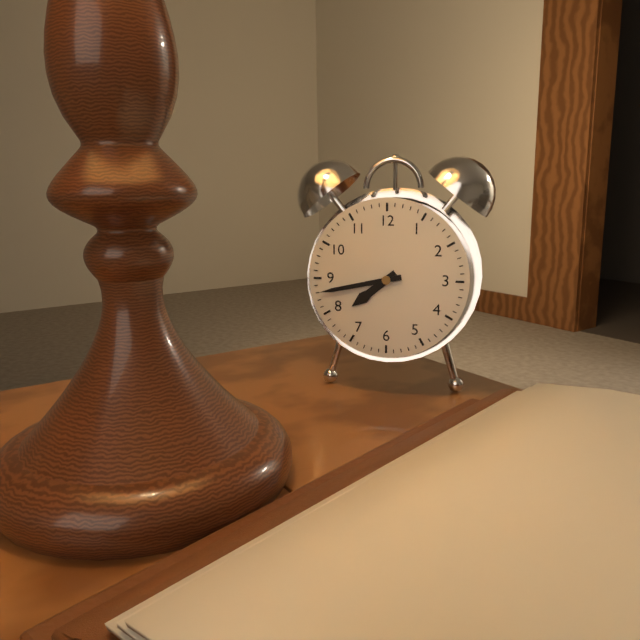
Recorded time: 7:43
